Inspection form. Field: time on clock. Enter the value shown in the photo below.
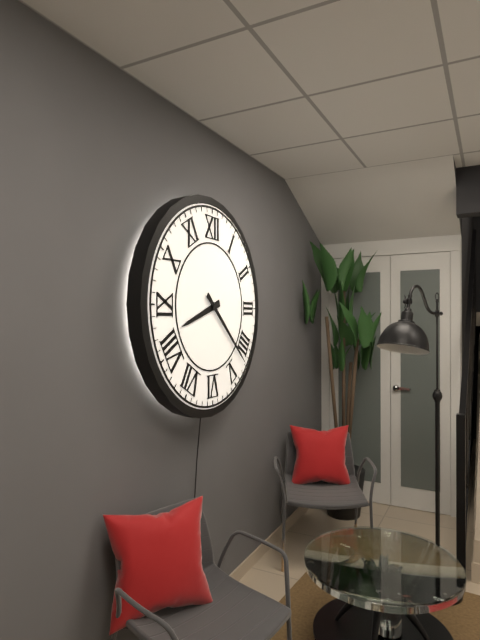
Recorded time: 8:22
